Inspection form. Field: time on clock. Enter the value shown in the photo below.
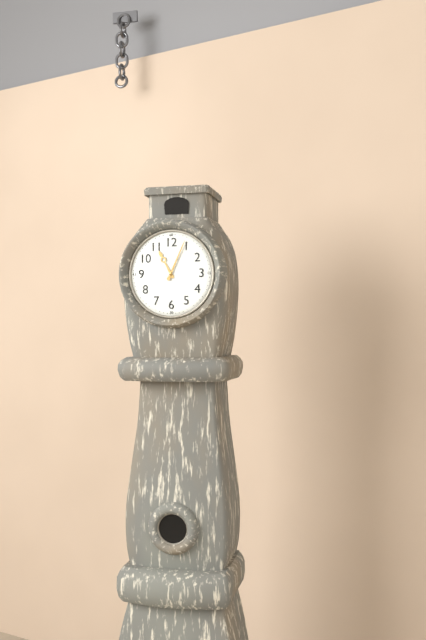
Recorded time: 11:04
